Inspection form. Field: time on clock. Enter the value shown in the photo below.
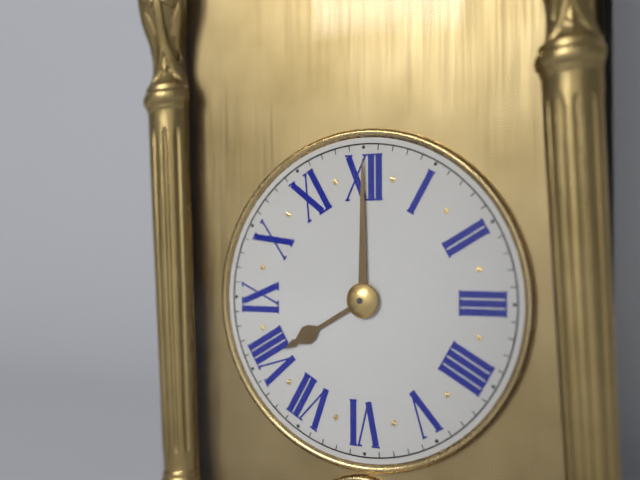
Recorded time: 8:00
